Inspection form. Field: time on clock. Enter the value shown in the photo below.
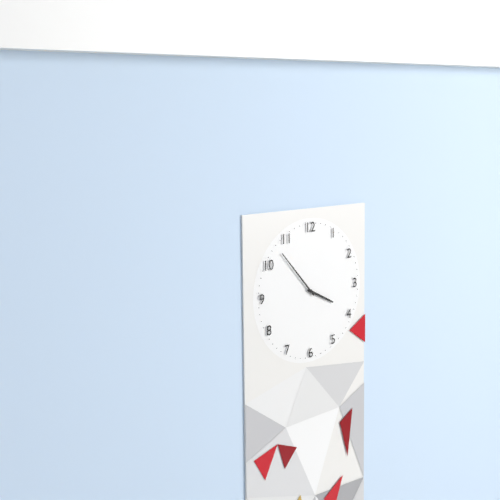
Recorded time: 3:53
